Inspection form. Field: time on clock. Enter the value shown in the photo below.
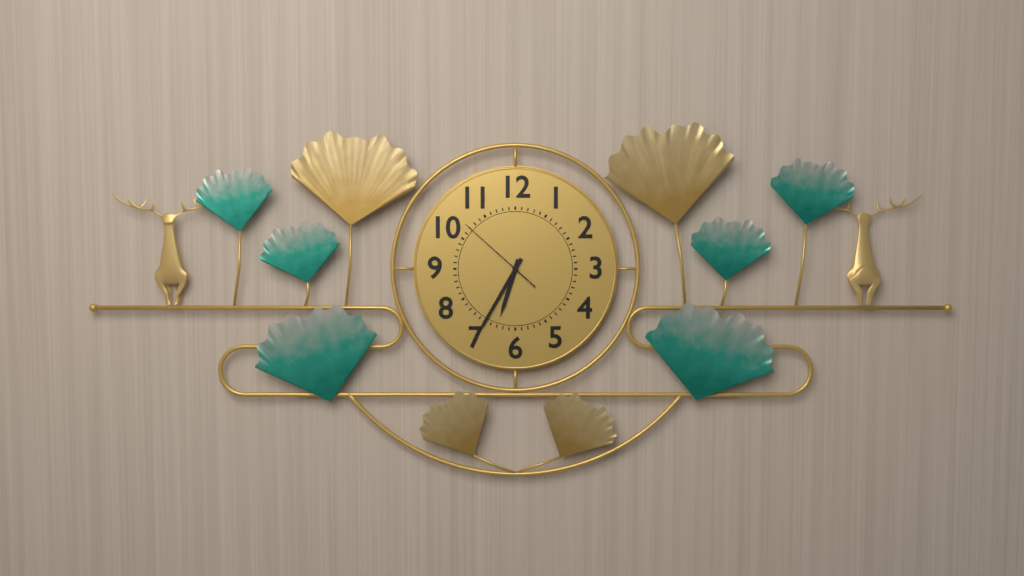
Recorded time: 6:35:52
